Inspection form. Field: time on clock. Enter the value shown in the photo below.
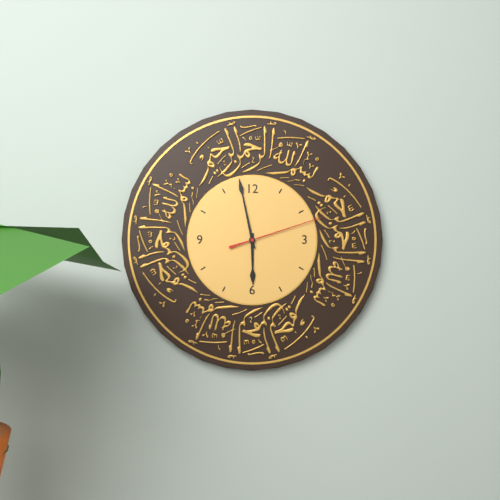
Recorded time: 5:58:12
